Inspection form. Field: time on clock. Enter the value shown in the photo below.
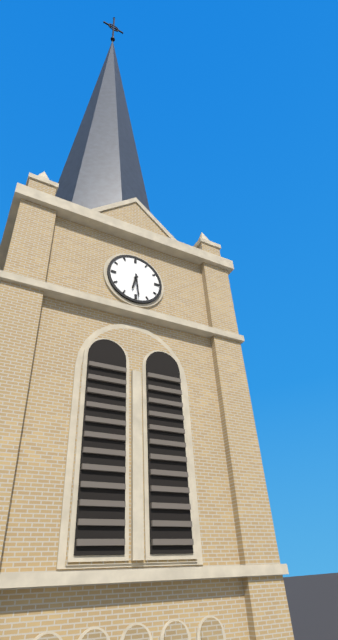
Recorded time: 6:29
